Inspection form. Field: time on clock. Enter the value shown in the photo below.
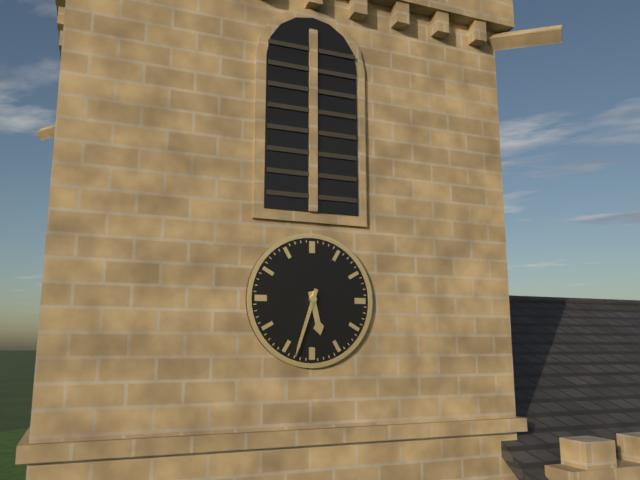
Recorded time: 5:33
